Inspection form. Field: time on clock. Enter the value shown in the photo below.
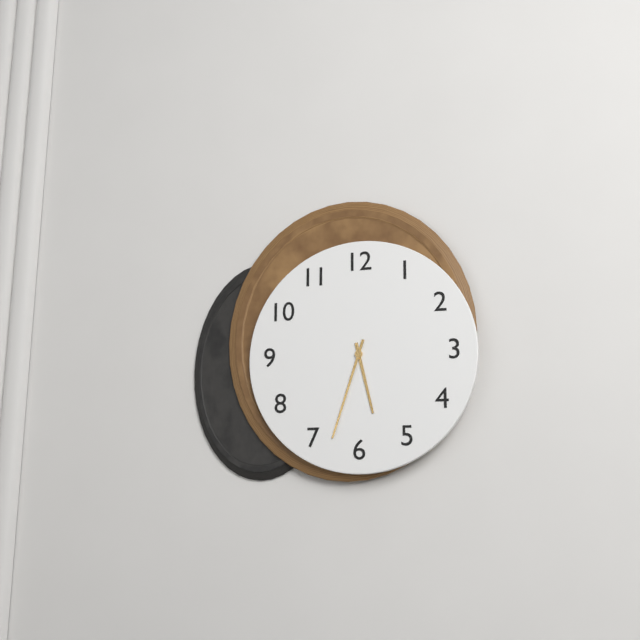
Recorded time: 5:33
